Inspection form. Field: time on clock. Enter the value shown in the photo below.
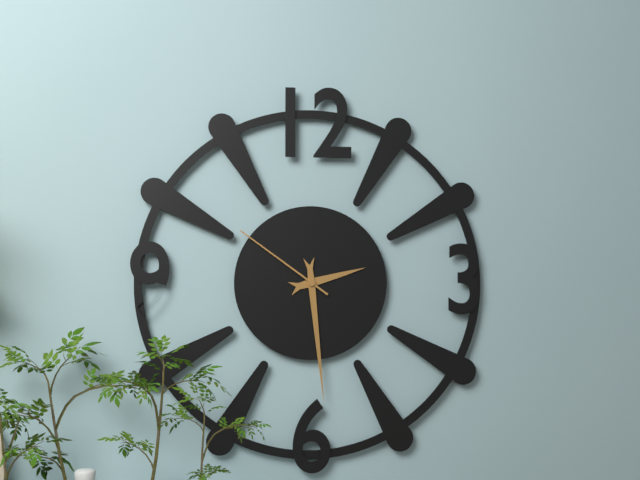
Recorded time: 2:29:51
